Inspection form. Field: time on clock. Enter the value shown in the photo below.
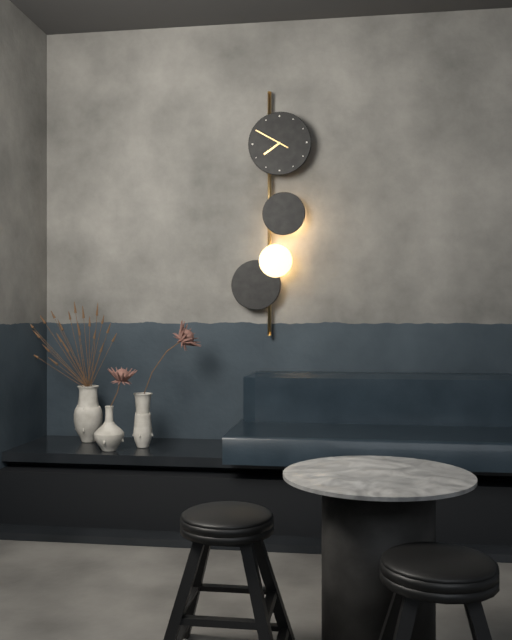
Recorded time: 7:50
